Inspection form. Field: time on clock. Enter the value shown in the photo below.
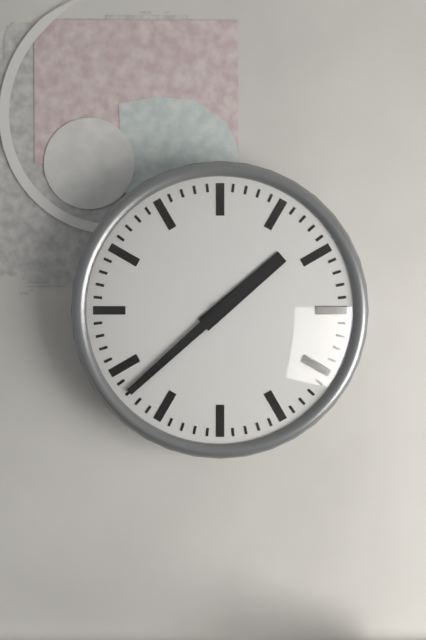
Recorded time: 1:38
